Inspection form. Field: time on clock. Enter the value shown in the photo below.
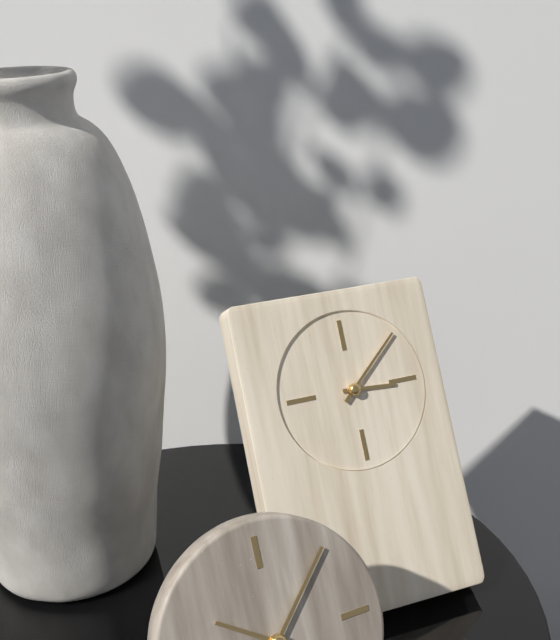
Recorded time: 3:08
